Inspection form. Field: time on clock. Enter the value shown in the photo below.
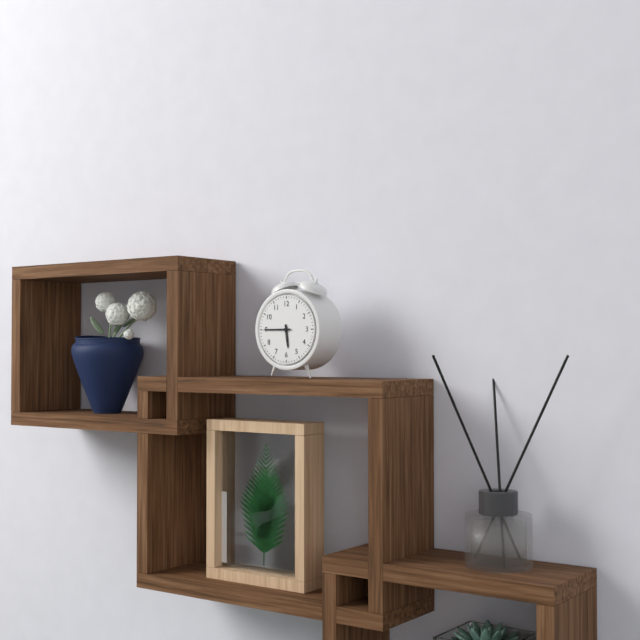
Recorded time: 5:45
